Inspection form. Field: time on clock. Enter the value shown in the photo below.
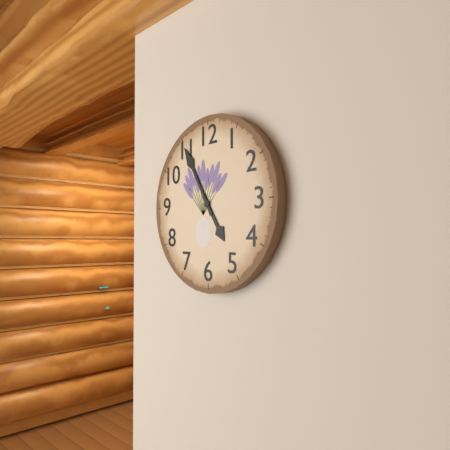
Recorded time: 4:55
